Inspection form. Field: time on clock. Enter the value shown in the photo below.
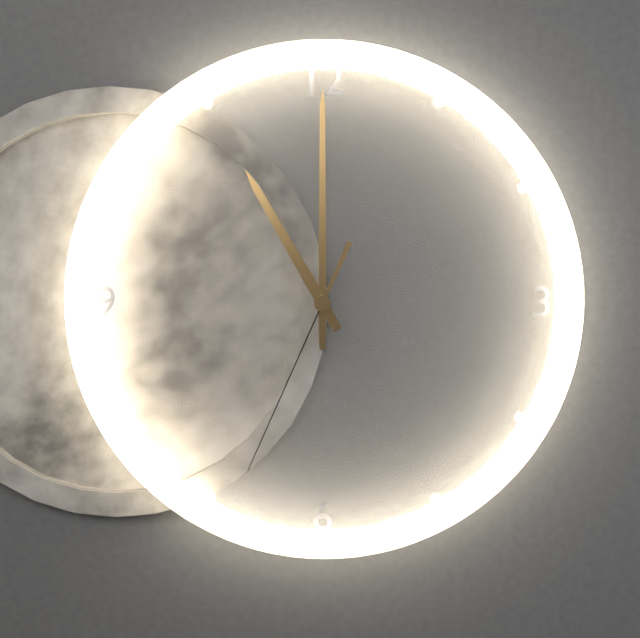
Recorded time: 11:00:34
